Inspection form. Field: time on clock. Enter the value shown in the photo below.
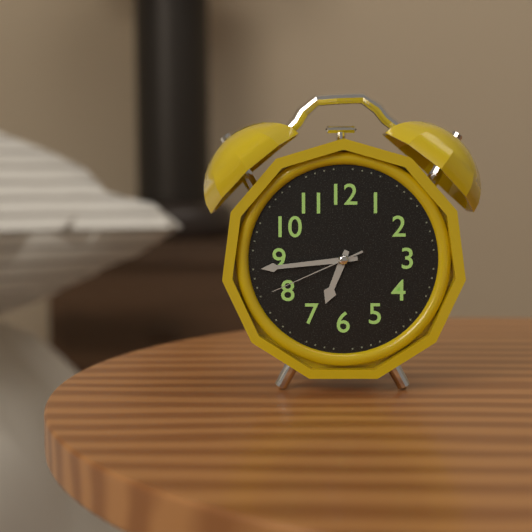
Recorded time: 6:44:41
